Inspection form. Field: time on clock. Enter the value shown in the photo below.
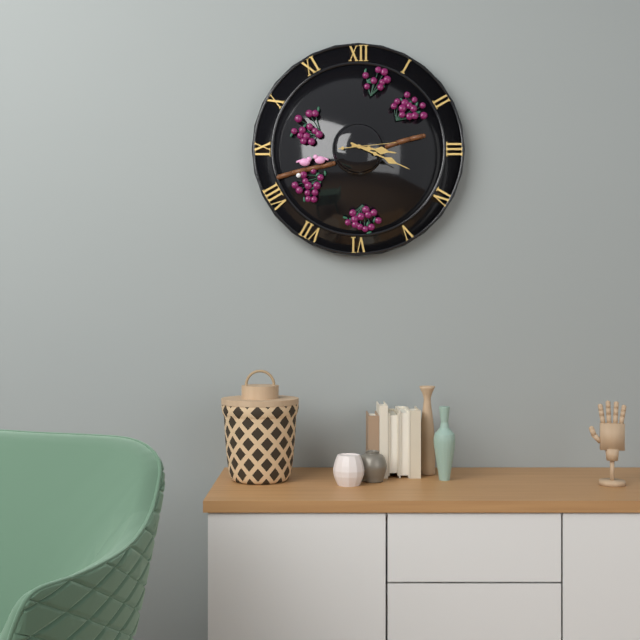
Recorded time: 3:19
